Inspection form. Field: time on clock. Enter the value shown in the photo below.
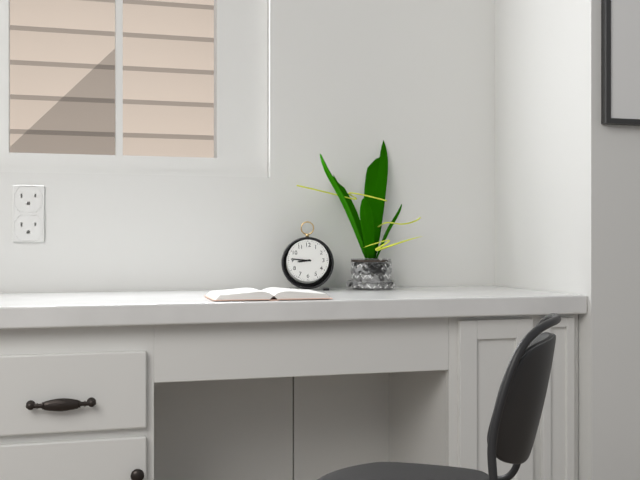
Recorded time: 8:46
